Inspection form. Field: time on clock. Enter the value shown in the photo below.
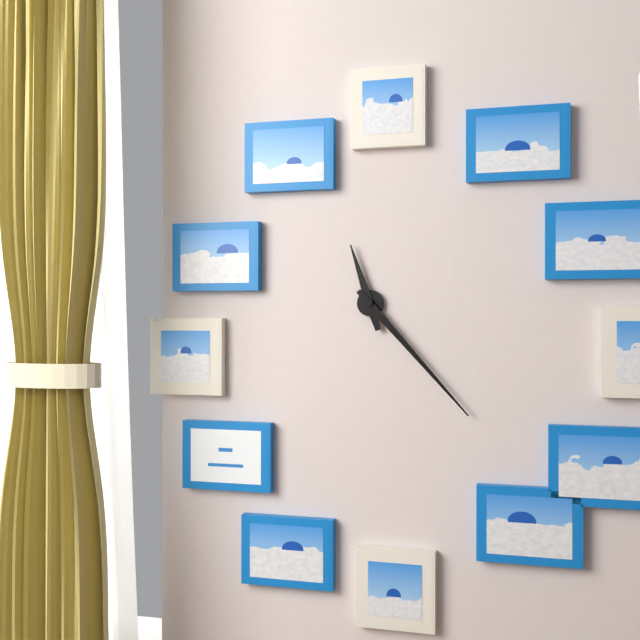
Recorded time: 11:23
